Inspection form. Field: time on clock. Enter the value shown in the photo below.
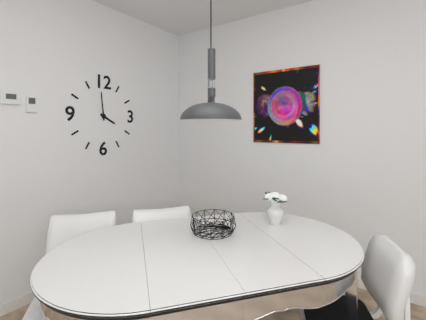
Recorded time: 3:59
